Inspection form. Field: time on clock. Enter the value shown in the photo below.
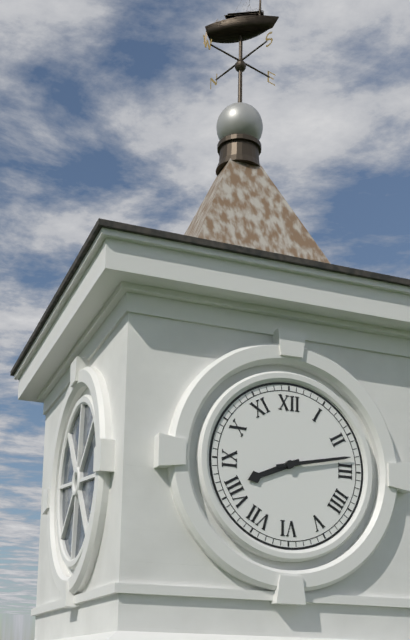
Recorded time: 8:13
